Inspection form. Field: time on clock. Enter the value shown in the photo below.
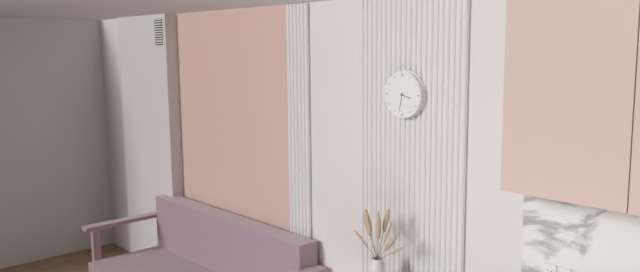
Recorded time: 3:32
